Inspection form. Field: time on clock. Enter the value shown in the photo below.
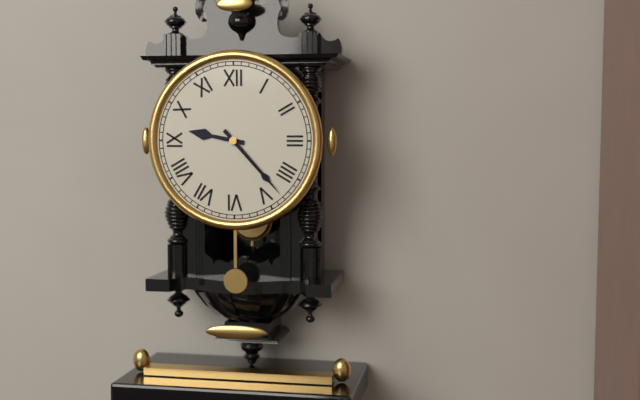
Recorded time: 9:23
